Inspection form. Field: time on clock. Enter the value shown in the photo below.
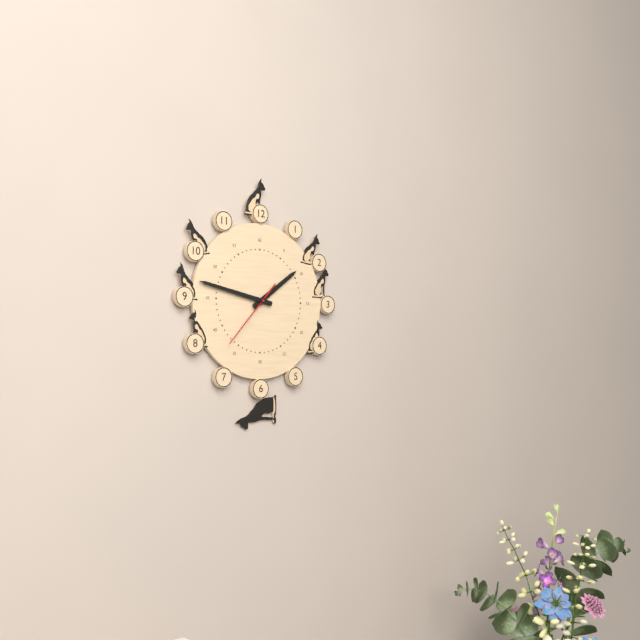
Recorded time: 1:47:37
